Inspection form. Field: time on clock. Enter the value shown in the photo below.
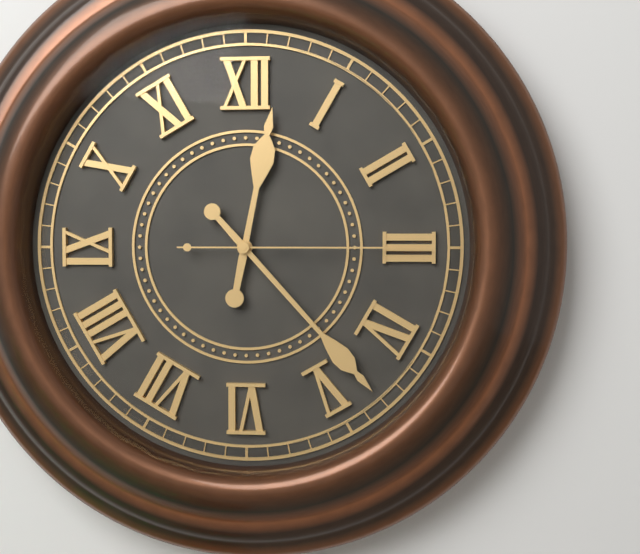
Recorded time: 12:23:15
